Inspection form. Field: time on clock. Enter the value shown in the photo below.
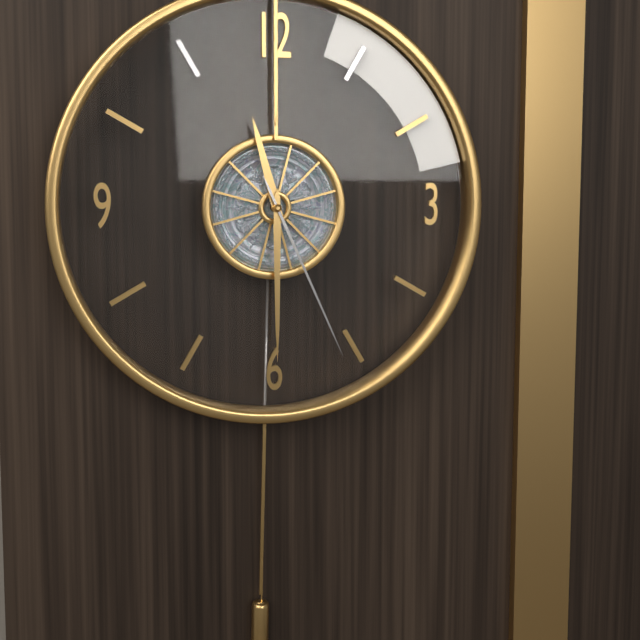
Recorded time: 11:30:26
